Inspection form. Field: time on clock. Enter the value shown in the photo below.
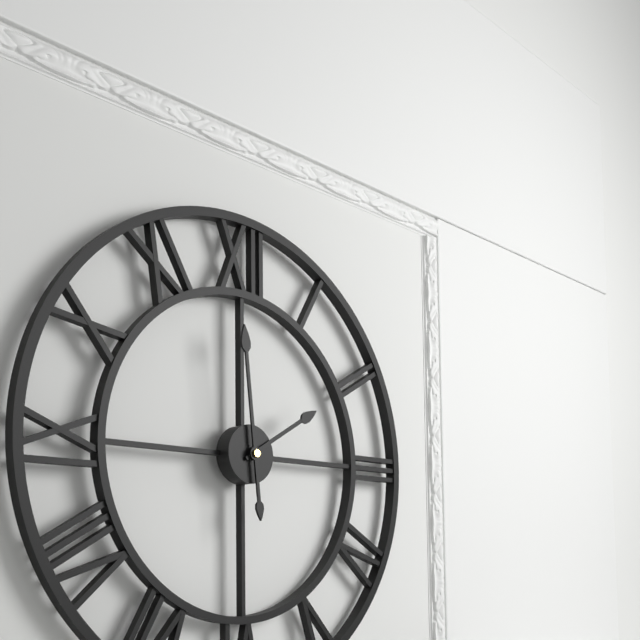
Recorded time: 1:59
